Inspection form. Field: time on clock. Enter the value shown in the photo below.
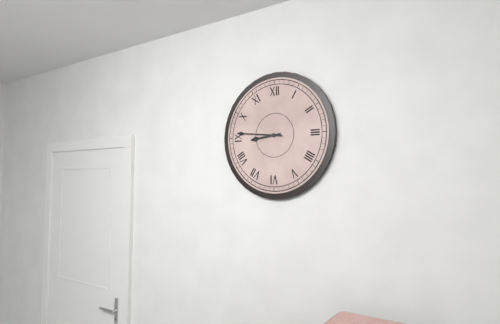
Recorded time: 8:46
